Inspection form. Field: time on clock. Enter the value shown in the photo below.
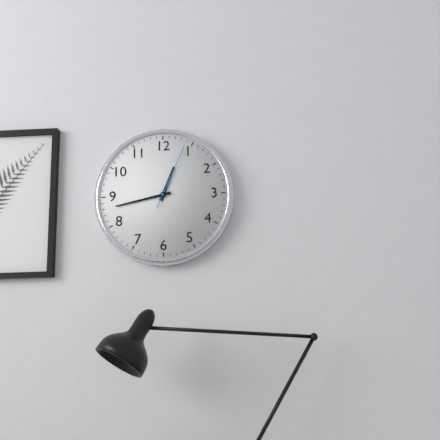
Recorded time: 12:43:04
